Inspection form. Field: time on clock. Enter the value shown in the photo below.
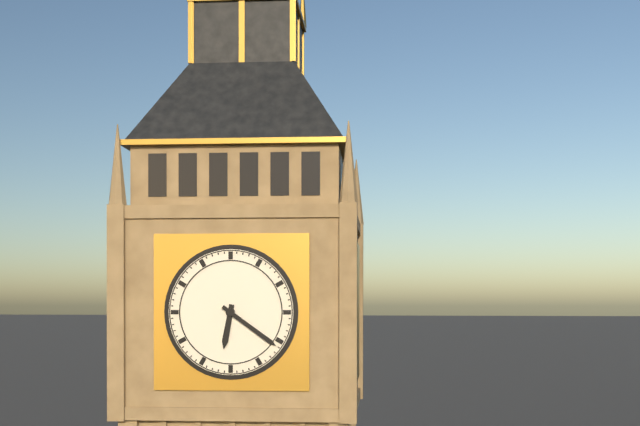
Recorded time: 6:21
